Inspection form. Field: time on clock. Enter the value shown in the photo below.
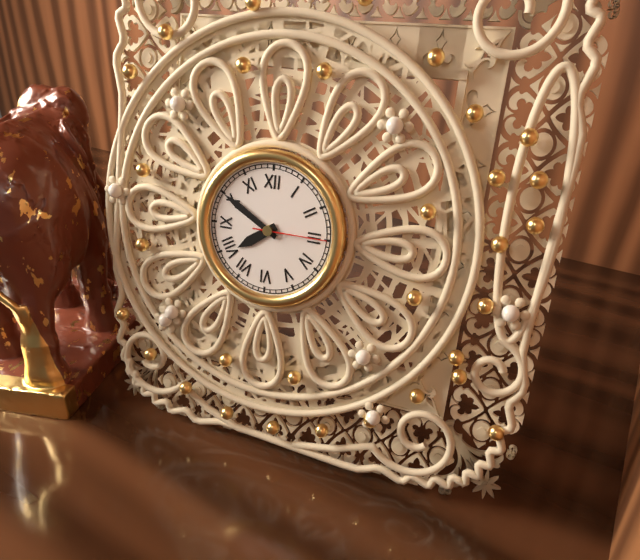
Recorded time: 7:50:15
